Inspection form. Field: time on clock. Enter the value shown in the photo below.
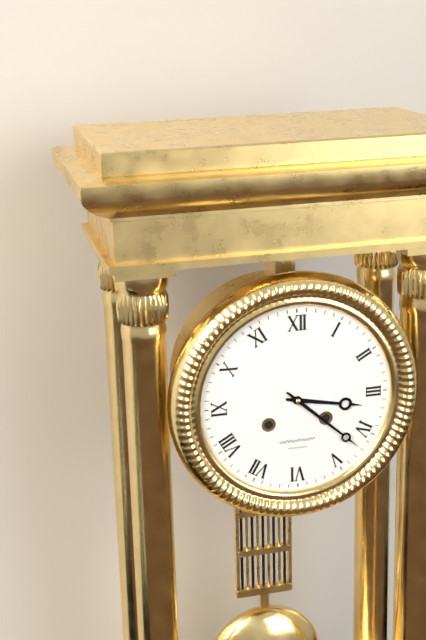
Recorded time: 3:22
